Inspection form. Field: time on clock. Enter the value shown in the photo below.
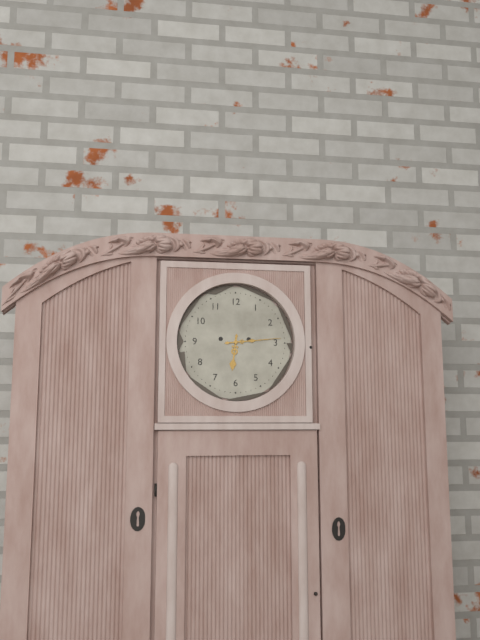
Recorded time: 6:14
